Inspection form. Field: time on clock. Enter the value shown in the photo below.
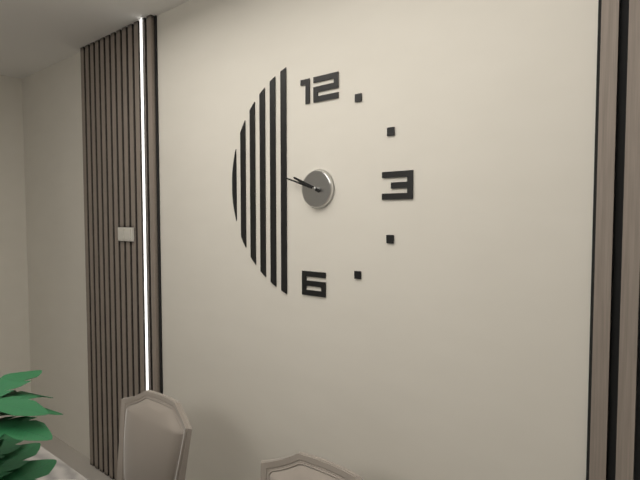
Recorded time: 9:48
